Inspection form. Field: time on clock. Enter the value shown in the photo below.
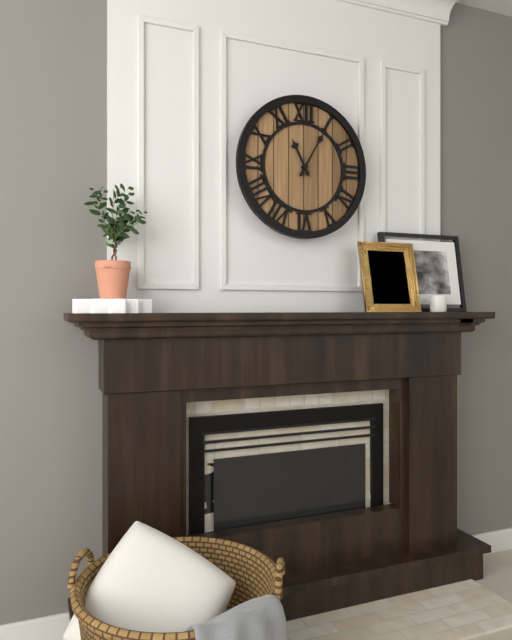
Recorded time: 11:05
